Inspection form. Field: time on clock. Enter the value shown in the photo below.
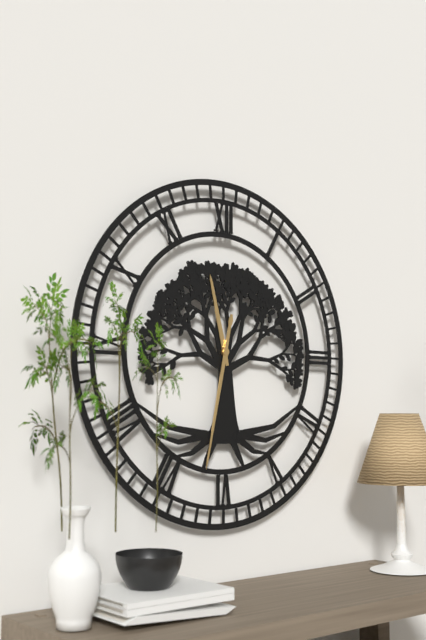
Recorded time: 11:32
